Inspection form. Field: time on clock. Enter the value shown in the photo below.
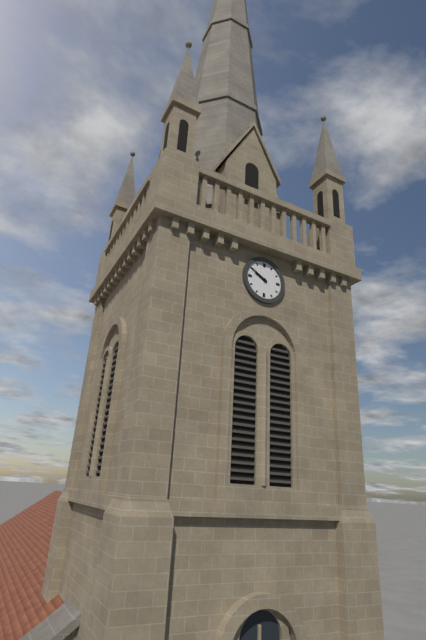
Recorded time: 9:50
